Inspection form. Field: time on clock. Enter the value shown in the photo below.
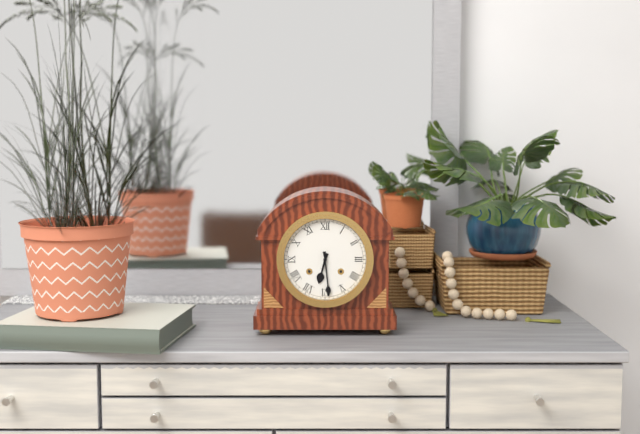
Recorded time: 6:29
